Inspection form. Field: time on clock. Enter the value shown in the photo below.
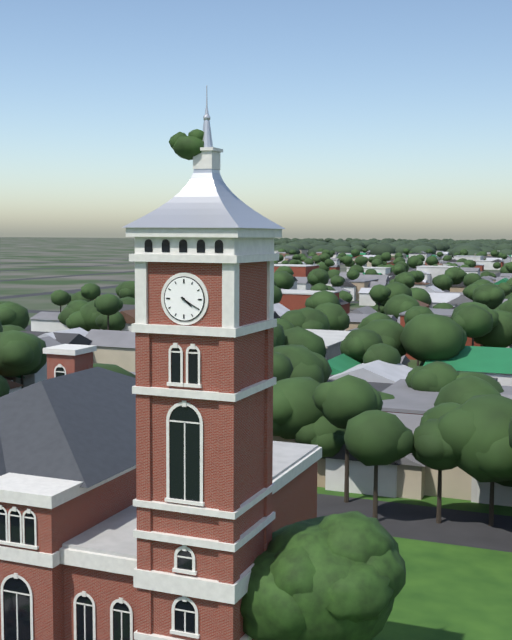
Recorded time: 4:20
